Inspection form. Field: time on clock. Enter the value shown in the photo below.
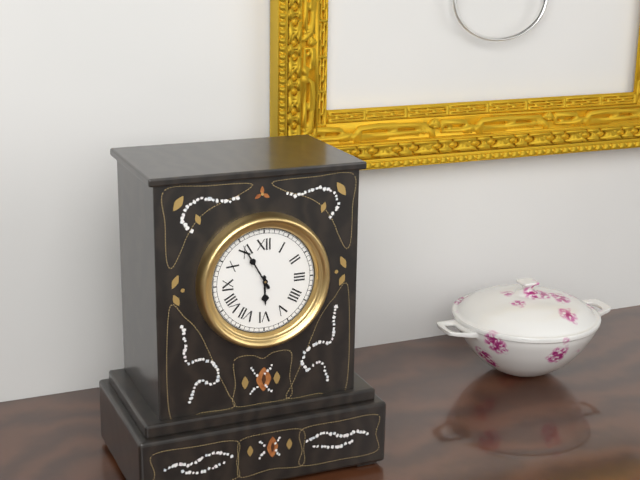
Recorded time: 5:55
